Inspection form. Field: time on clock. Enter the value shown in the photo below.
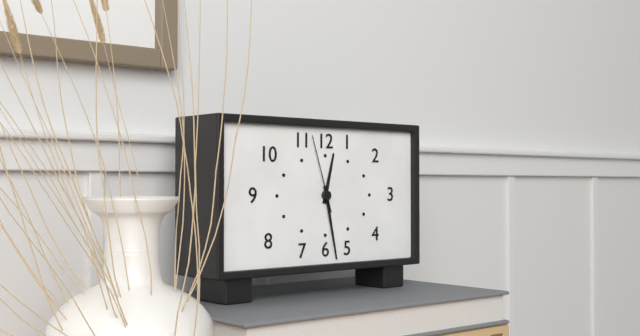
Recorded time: 12:28:57
